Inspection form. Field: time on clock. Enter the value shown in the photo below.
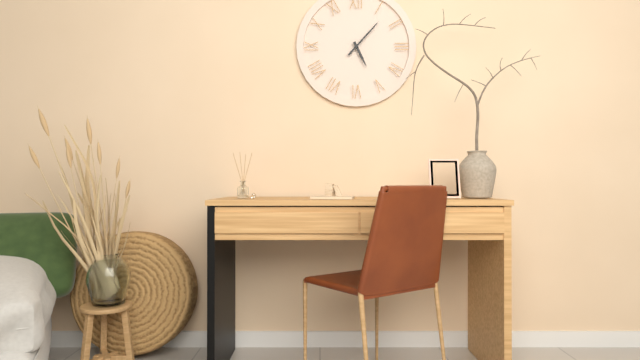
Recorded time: 5:07
